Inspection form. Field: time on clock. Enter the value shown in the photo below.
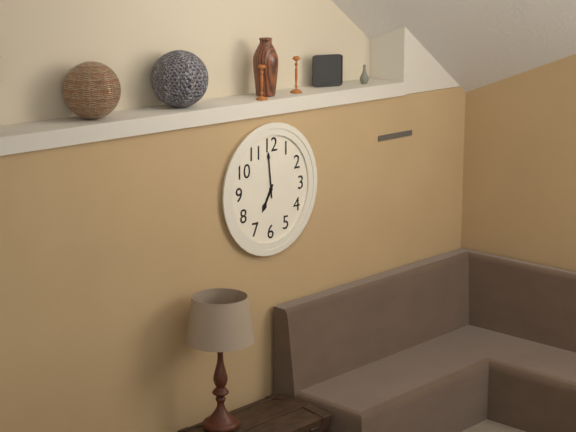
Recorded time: 6:59
